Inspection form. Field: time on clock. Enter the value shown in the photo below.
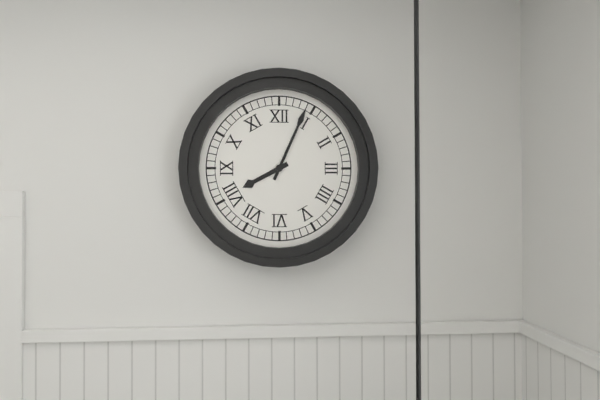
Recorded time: 8:04
